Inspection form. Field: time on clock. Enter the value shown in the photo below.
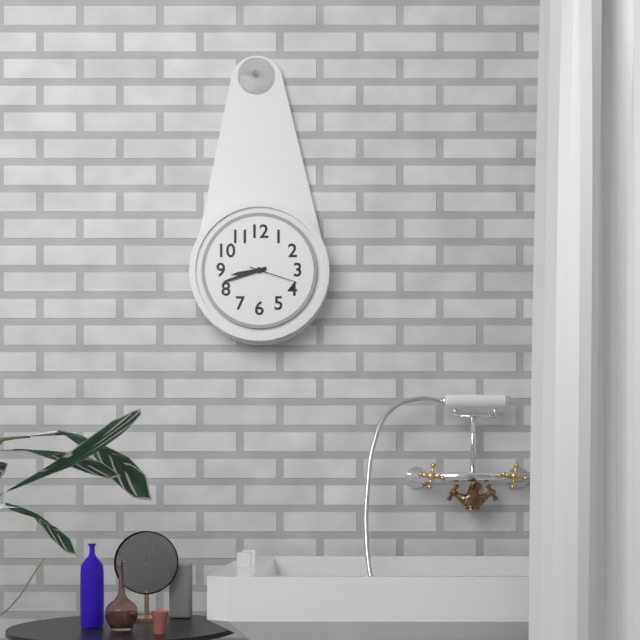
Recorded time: 8:42
